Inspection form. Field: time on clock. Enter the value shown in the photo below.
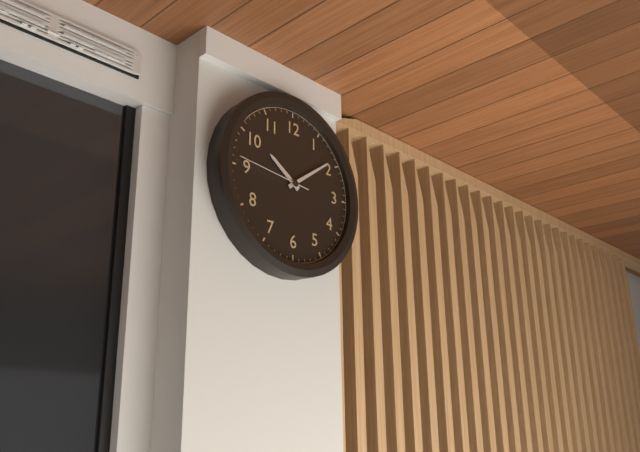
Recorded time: 10:09:46
